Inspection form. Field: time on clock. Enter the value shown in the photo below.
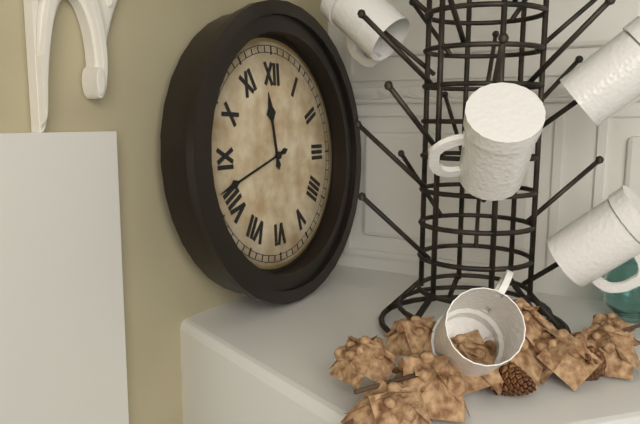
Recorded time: 11:42
